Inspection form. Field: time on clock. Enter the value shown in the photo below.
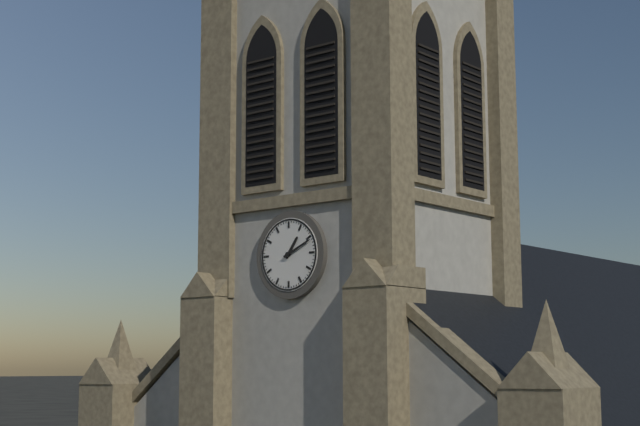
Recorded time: 1:11
